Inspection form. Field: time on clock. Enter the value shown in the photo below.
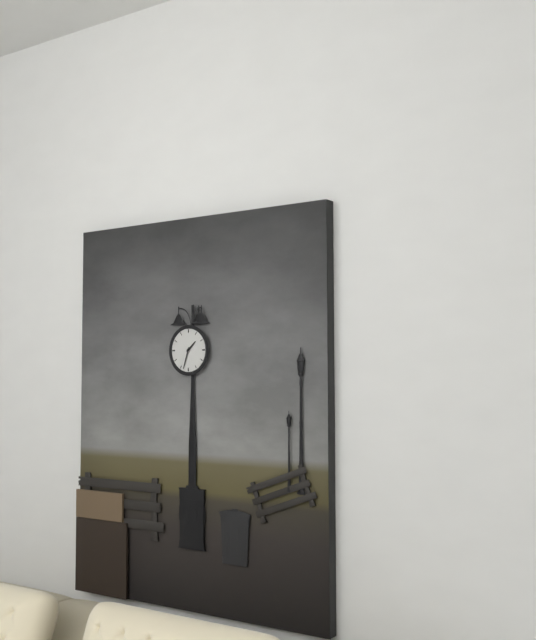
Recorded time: 1:33
